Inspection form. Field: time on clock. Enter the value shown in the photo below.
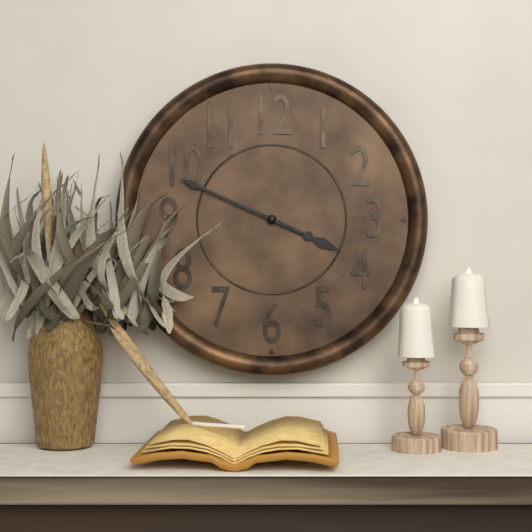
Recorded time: 3:49
